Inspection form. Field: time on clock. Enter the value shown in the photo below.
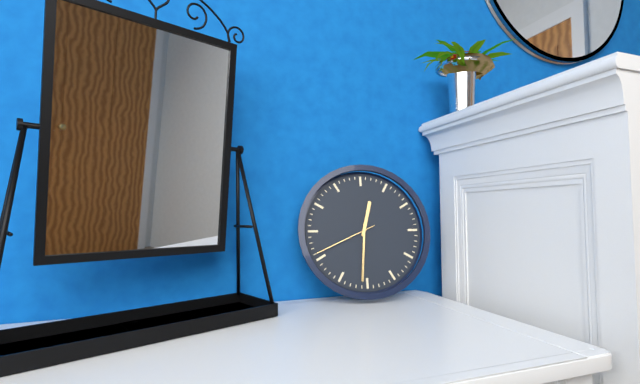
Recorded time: 12:31:41
